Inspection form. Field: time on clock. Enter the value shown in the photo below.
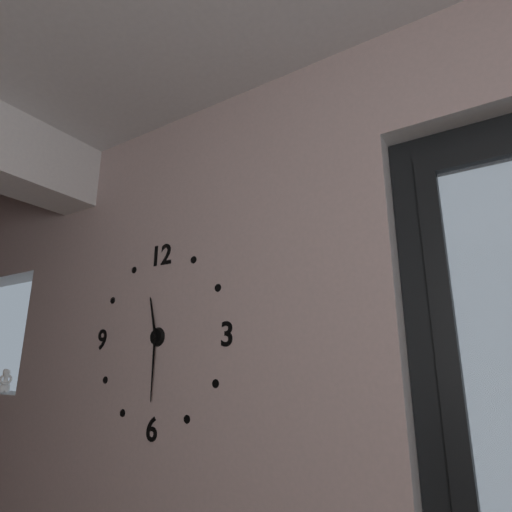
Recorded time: 11:30
